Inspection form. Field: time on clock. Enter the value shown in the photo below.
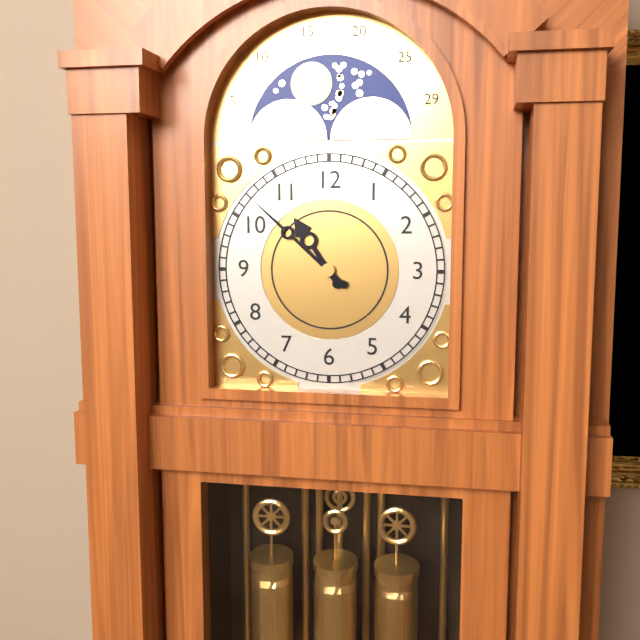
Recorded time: 10:52
